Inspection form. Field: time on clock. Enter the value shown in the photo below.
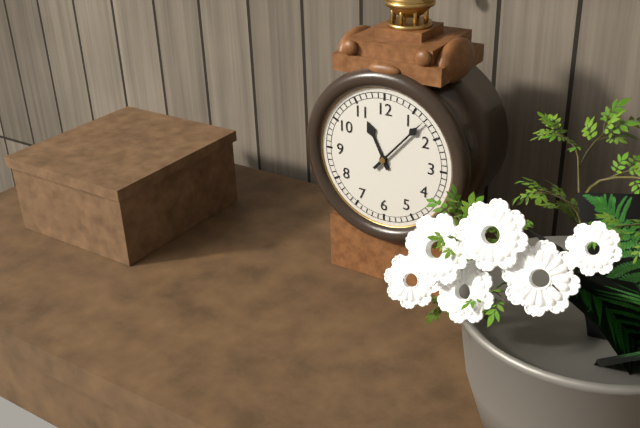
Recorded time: 11:07
